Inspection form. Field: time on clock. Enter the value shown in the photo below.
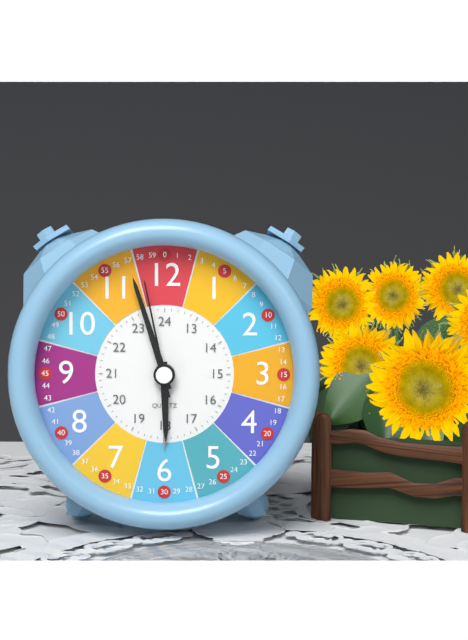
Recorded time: 5:57:58
